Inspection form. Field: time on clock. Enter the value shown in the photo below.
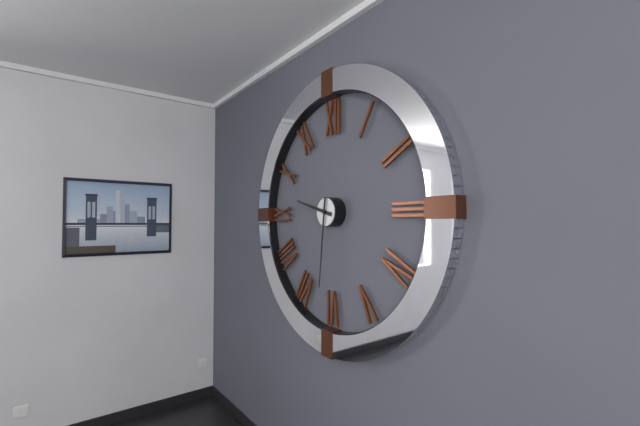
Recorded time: 9:31
